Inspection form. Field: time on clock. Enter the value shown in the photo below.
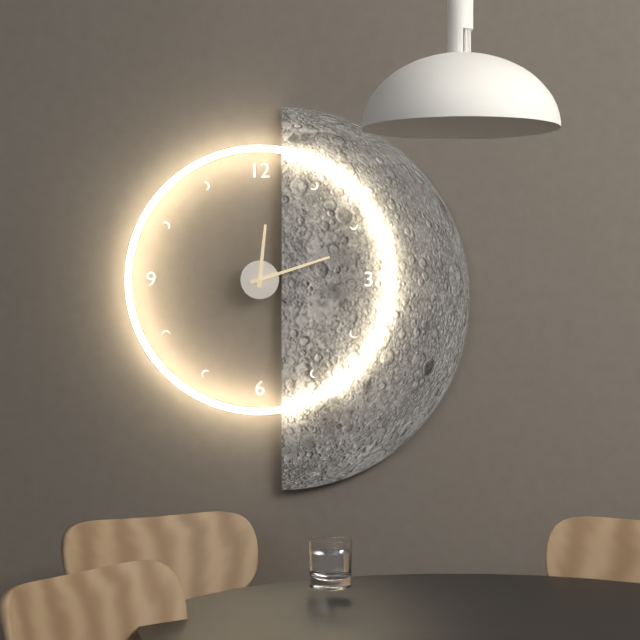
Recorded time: 12:12
